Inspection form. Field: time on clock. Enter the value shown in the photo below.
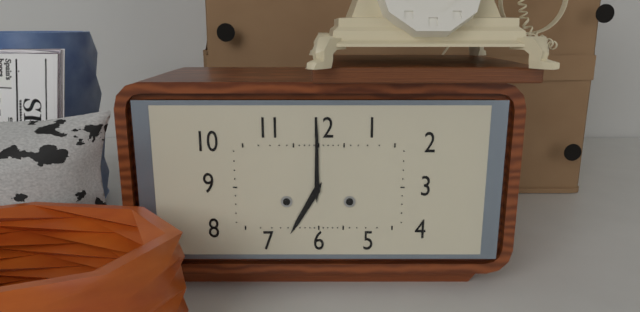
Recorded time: 7:00
